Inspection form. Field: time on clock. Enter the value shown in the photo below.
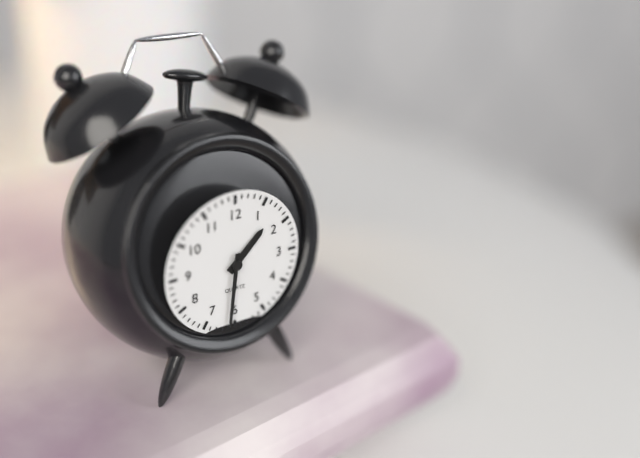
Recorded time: 1:31
